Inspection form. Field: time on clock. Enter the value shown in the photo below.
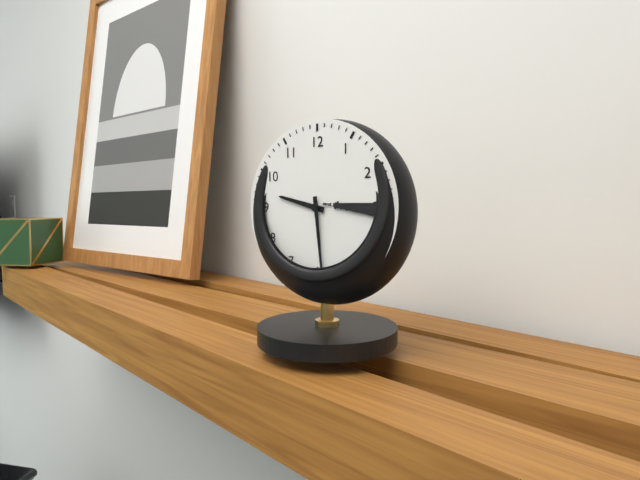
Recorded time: 9:29
